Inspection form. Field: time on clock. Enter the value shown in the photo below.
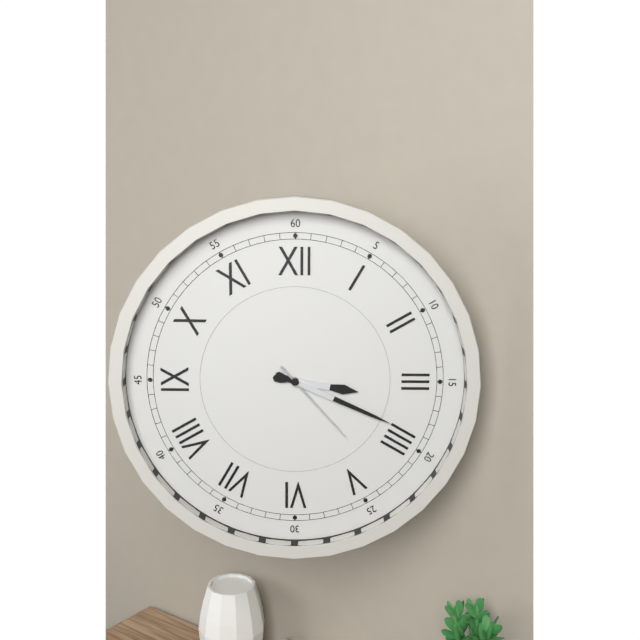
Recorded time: 3:19:23
